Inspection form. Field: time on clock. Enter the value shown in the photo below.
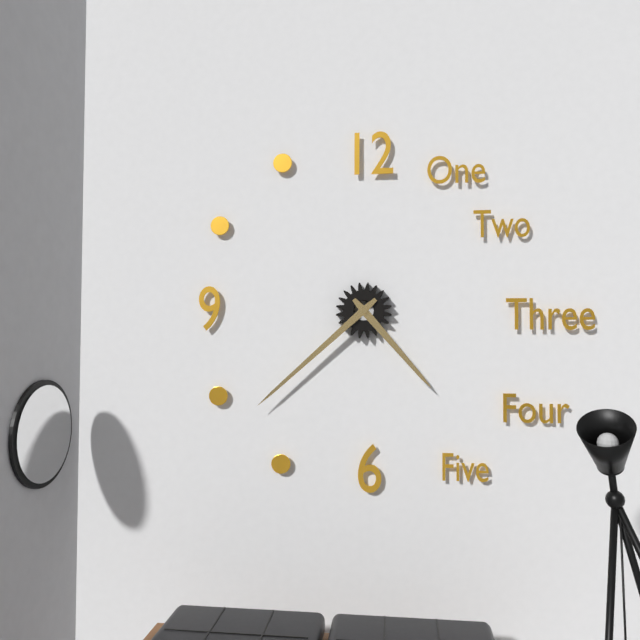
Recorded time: 4:38
